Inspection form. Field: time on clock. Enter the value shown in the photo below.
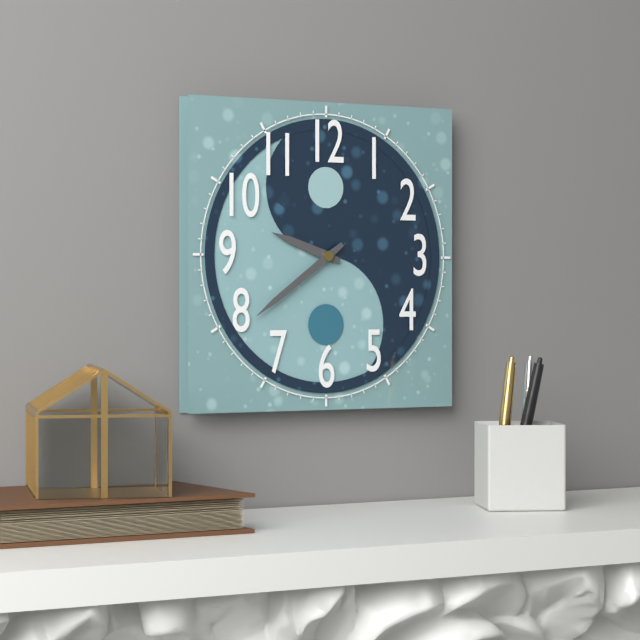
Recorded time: 9:39
